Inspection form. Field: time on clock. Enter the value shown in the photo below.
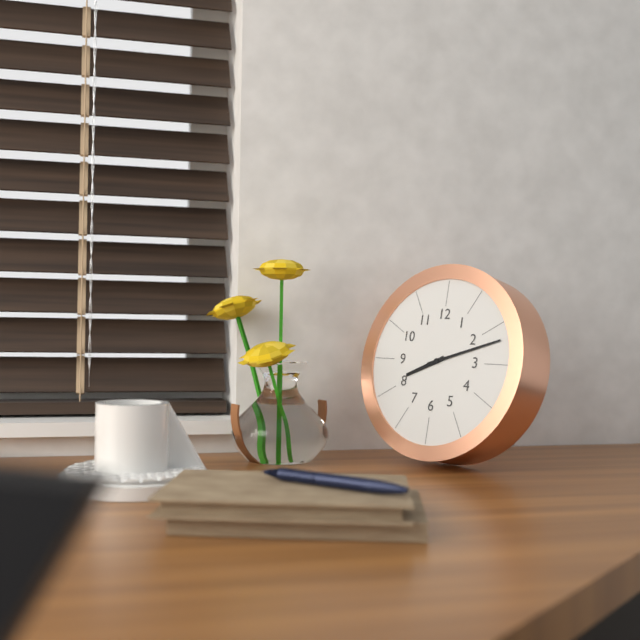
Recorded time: 8:12
